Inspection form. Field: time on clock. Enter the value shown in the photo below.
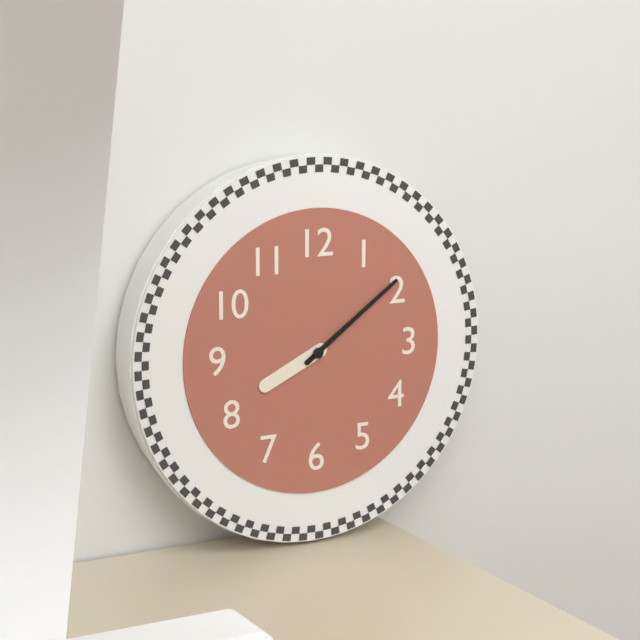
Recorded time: 8:09
